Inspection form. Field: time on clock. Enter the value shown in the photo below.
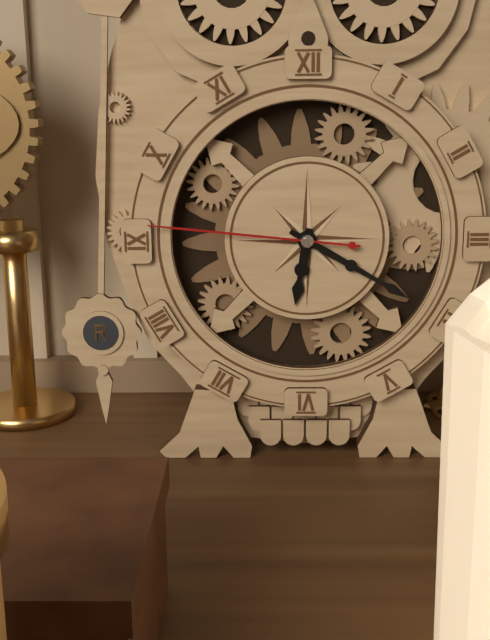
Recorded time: 6:20:46
